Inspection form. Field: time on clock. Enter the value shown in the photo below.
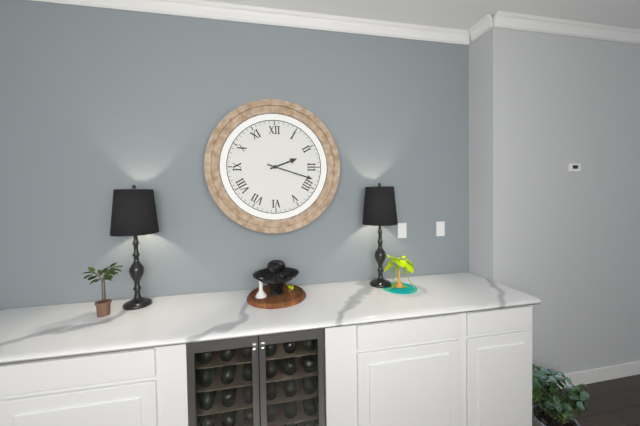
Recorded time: 2:18
